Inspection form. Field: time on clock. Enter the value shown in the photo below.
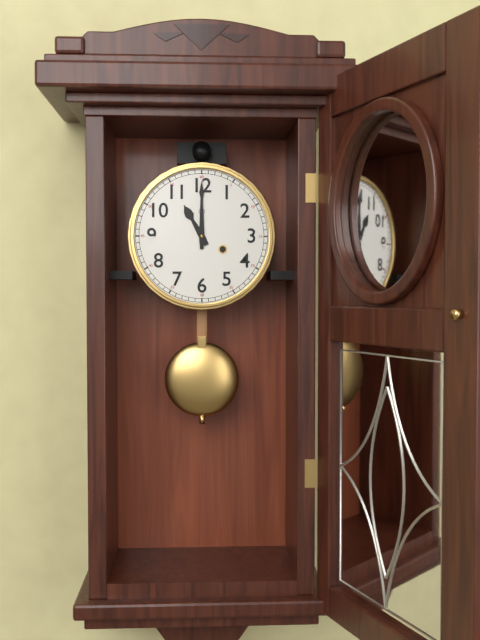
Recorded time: 11:00
